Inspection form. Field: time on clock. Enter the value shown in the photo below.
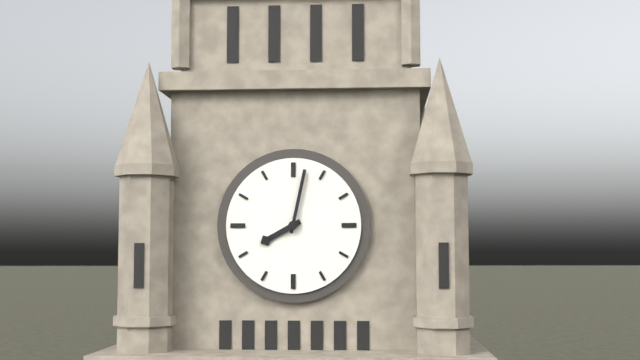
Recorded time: 8:02
